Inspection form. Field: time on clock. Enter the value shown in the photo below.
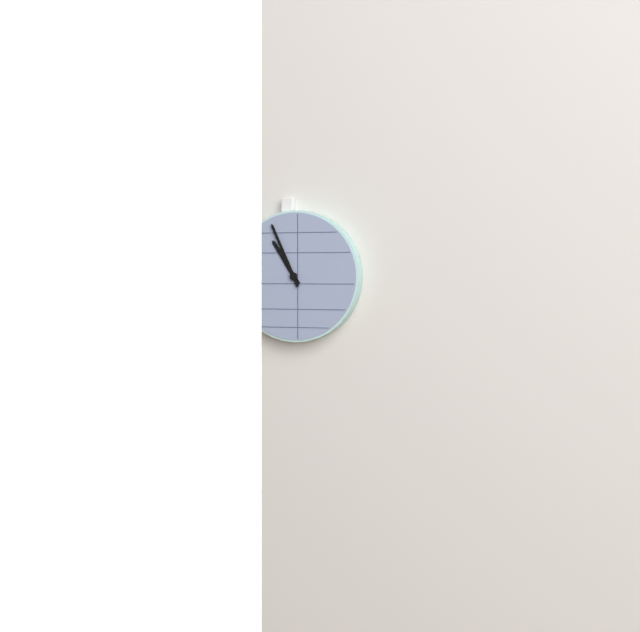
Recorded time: 10:56
